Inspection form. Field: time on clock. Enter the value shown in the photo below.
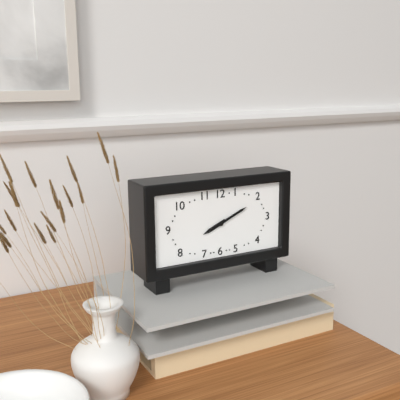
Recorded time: 8:11
